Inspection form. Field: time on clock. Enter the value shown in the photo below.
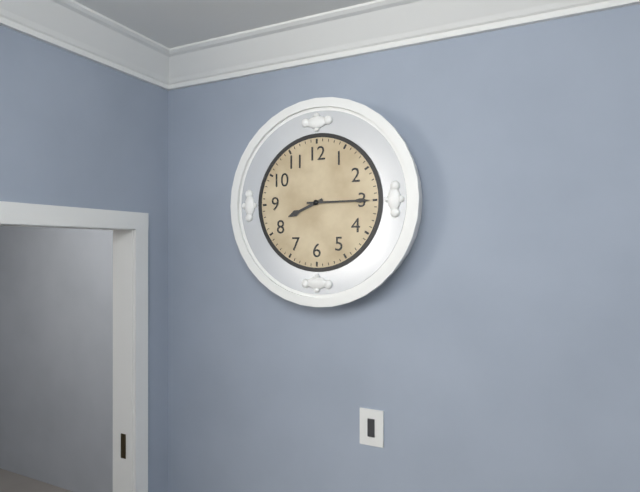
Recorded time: 8:15
